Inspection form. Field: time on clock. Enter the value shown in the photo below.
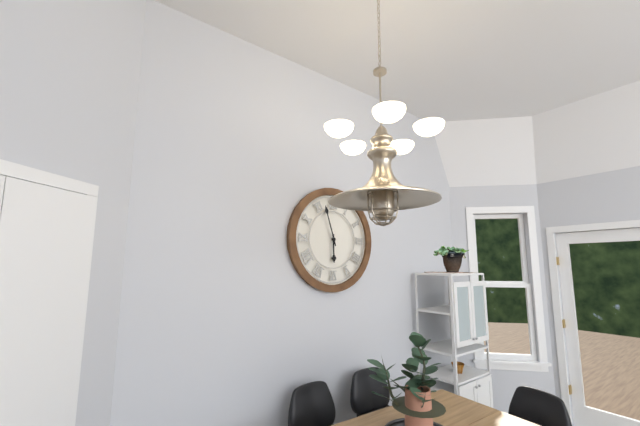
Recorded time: 5:57
